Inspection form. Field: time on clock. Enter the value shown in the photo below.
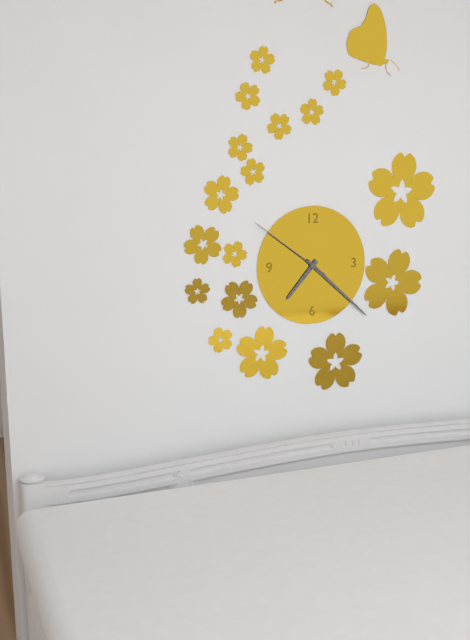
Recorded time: 7:22:51
